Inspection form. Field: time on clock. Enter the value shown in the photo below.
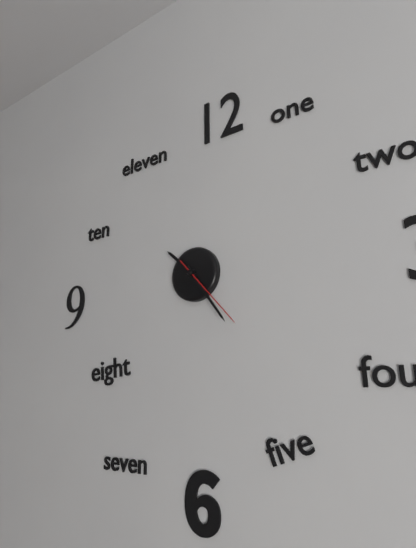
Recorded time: 10:24:23
